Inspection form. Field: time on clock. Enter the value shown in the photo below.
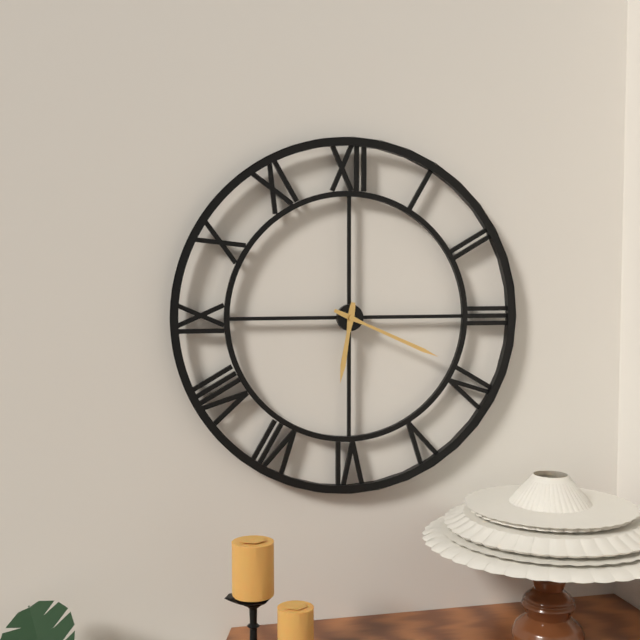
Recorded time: 6:19
